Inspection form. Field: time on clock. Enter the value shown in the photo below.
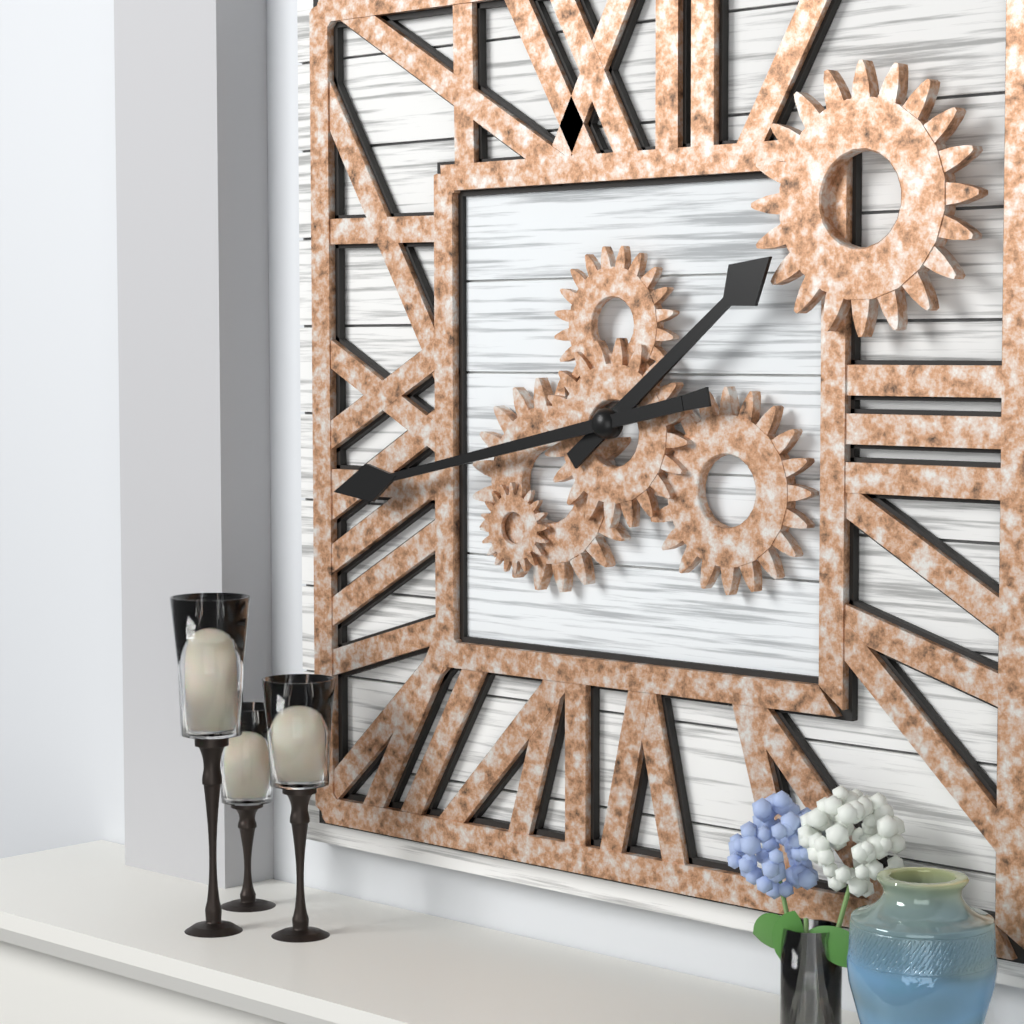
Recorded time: 1:43
